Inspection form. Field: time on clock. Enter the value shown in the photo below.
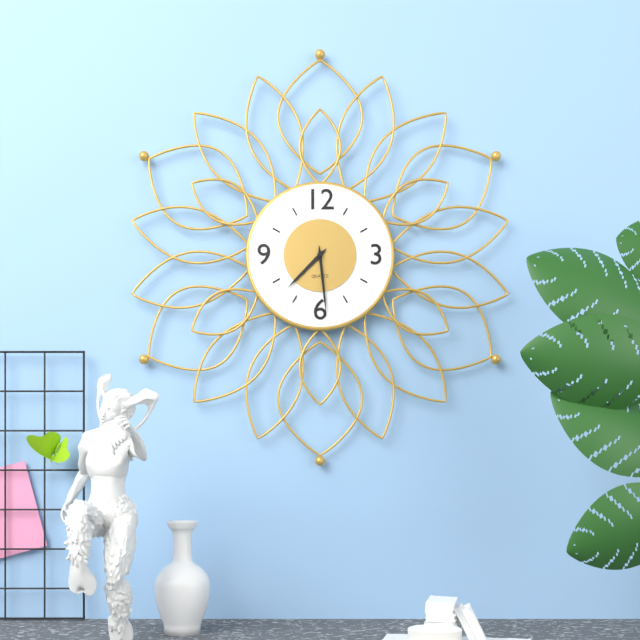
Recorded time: 7:29
